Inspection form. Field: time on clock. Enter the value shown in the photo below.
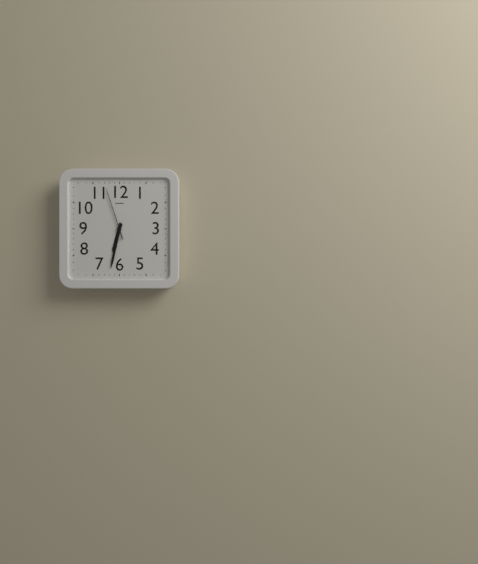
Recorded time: 6:32:57
